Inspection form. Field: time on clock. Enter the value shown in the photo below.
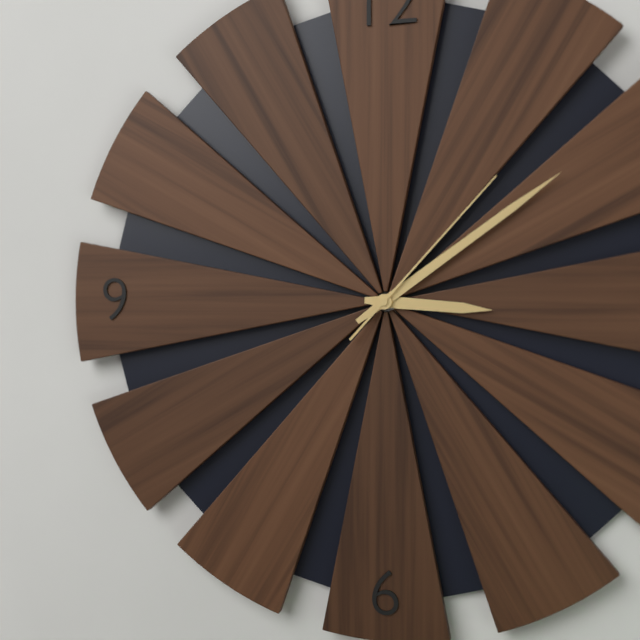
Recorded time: 3:09:07
